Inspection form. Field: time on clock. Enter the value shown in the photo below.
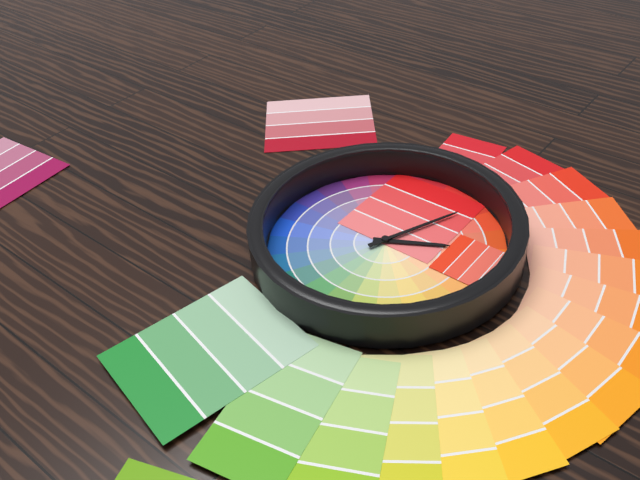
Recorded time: 2:04
